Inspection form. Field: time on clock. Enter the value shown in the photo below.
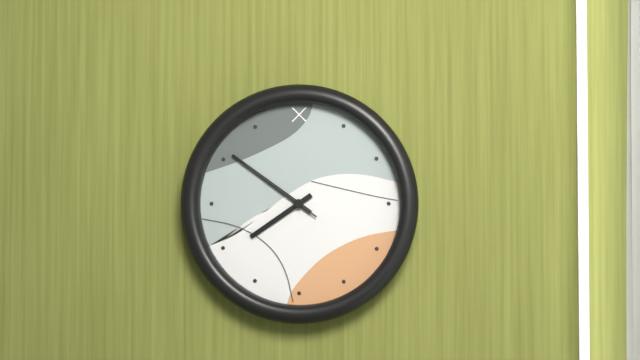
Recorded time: 7:51:51
